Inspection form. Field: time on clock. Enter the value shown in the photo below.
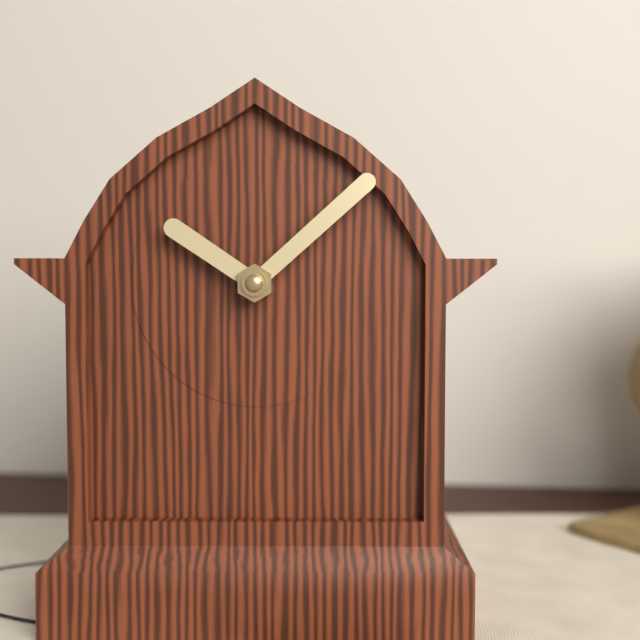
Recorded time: 10:08
